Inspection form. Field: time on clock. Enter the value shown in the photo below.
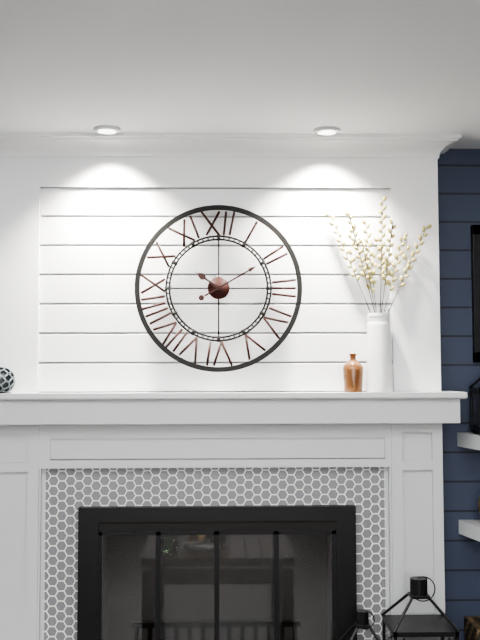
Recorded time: 10:10
